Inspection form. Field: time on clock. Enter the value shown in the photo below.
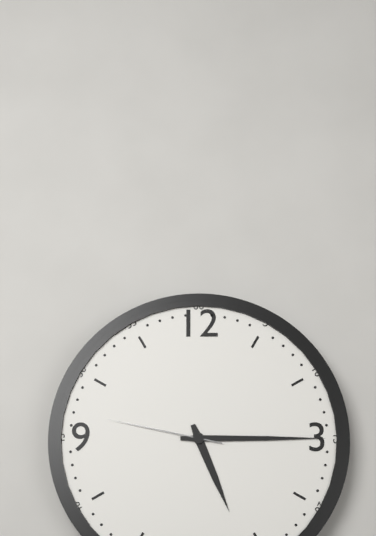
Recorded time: 5:15:47
